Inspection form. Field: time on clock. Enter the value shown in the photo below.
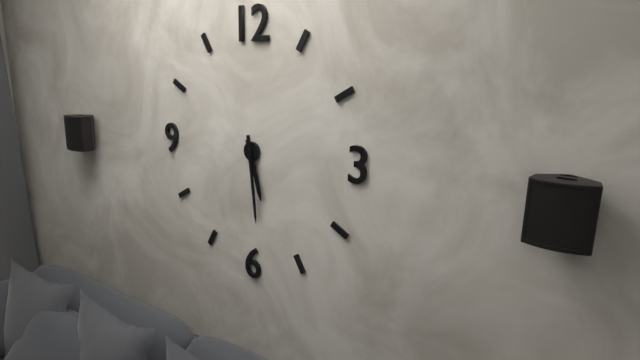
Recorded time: 5:29
